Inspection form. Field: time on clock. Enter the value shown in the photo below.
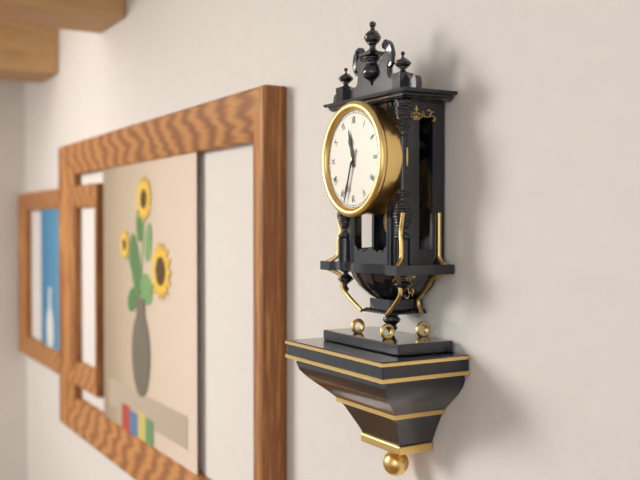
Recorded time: 11:33
